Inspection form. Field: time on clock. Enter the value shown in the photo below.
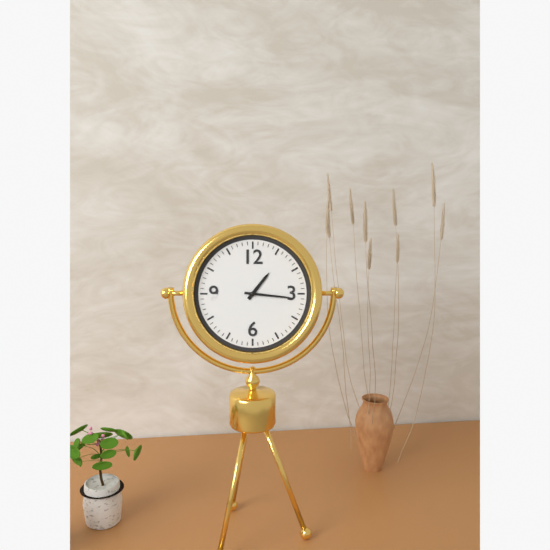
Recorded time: 1:16
